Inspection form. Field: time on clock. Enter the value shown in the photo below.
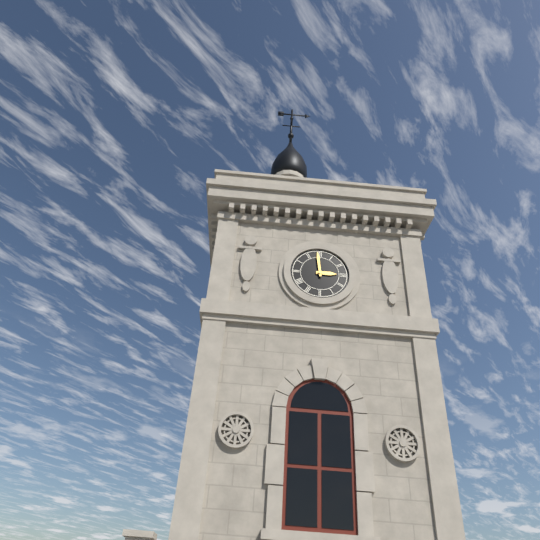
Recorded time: 2:59
